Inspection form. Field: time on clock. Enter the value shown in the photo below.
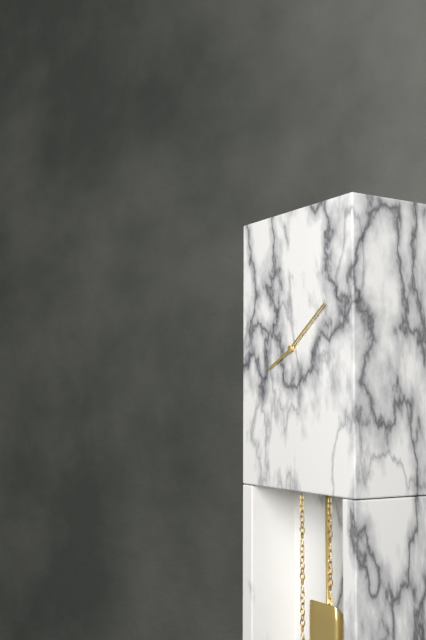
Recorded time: 8:09
